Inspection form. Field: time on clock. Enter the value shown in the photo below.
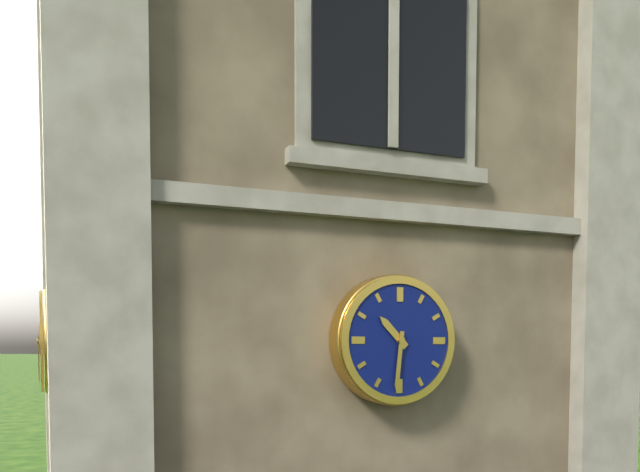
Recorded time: 10:31
